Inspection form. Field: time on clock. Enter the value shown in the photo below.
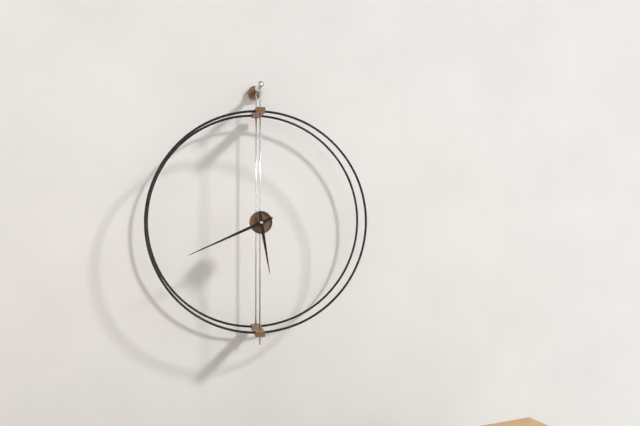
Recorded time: 5:41
